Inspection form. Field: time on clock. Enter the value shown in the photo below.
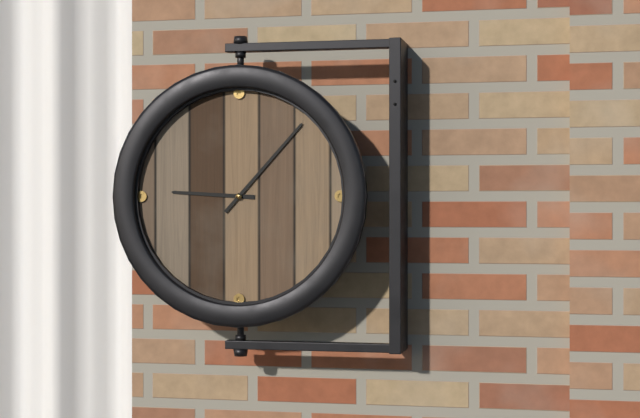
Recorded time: 9:07
